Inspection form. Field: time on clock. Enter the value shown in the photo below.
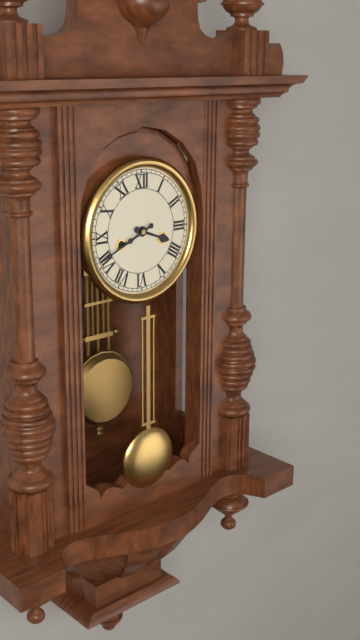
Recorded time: 3:41
